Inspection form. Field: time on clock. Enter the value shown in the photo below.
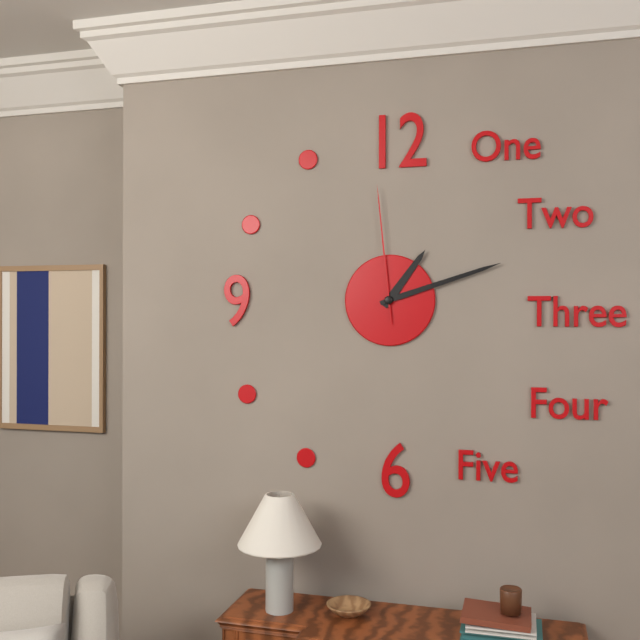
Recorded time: 1:12:59
